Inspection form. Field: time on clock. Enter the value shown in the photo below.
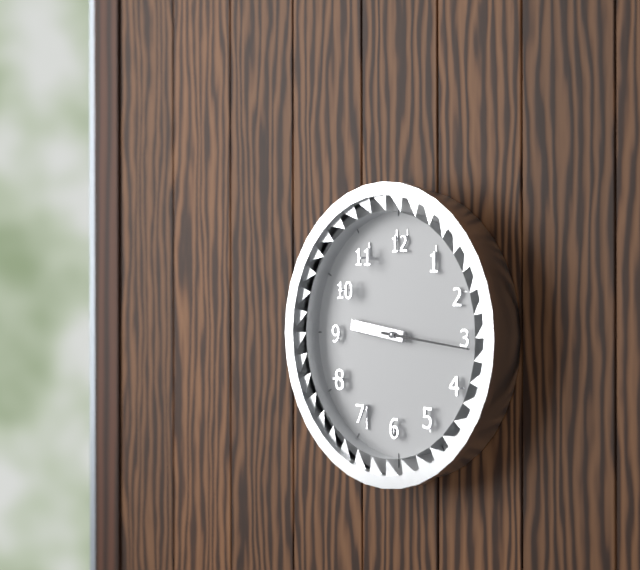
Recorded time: 9:16
